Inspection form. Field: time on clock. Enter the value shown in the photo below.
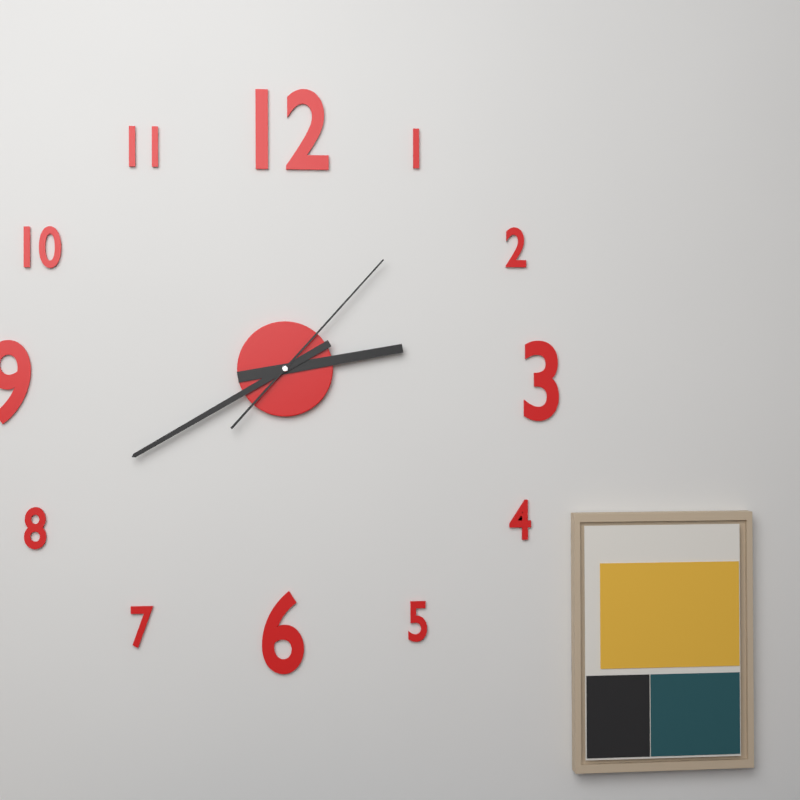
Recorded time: 2:40:07
